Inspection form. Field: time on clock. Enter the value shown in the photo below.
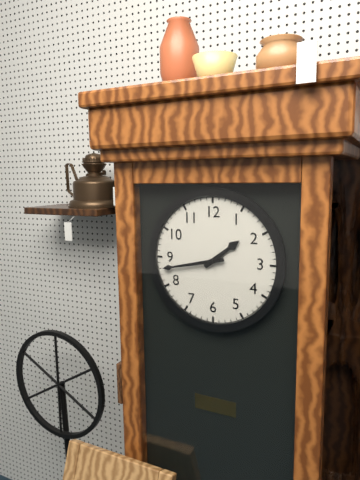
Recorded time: 1:43
